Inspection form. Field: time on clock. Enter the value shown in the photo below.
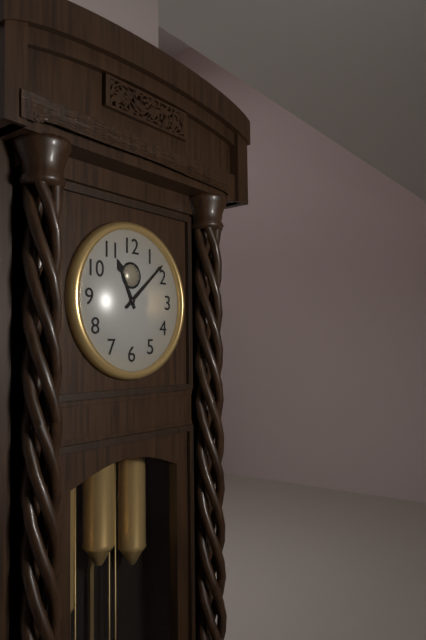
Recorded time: 11:08
